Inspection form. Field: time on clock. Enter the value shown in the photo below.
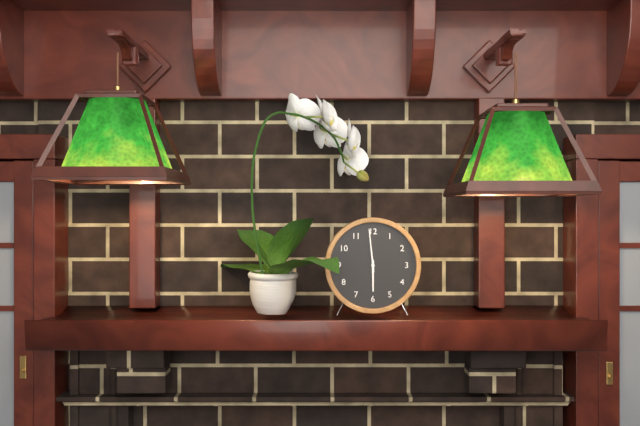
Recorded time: 5:59
